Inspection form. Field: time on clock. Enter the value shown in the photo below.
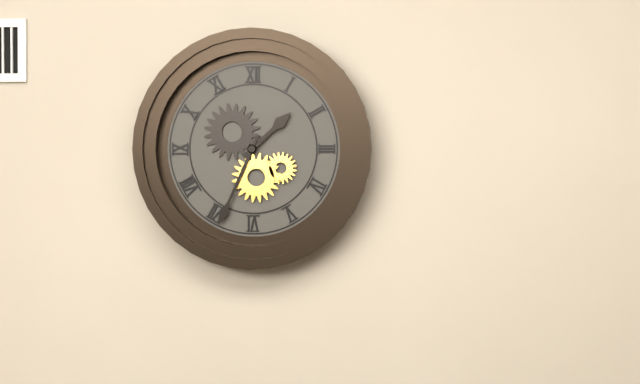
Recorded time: 1:34
